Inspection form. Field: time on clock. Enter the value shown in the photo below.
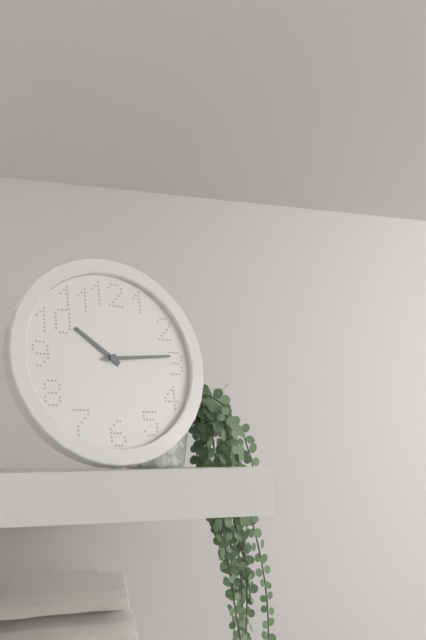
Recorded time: 10:14
